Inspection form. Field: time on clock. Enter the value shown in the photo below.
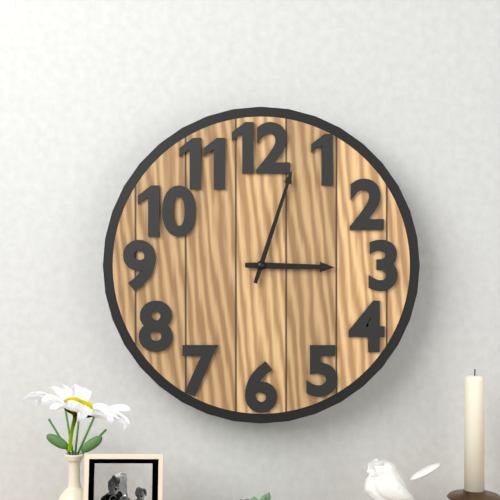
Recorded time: 3:03
